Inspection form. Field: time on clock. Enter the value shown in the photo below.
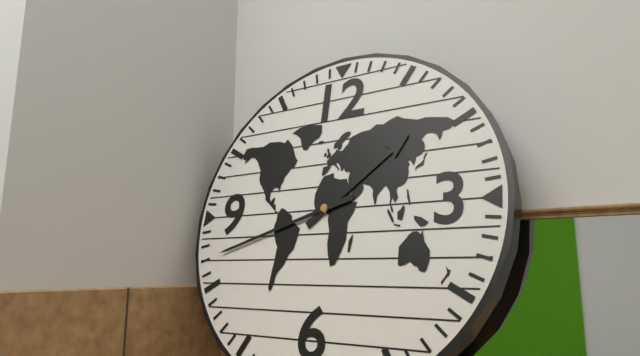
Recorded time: 1:42
